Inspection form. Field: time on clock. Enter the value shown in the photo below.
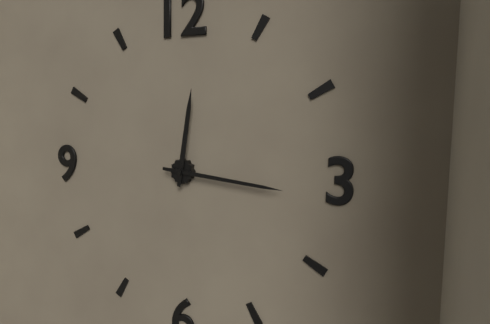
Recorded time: 12:16
